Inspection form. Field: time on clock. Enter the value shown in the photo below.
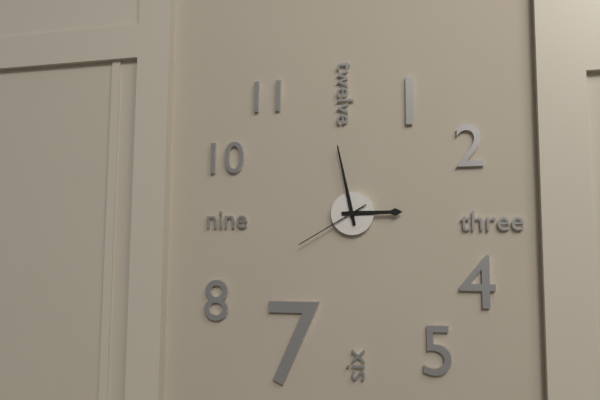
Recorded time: 2:58:40
